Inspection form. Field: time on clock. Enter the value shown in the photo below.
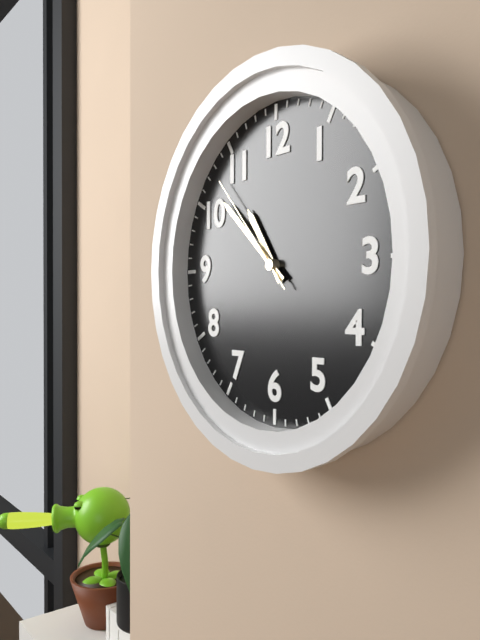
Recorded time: 10:52:53
